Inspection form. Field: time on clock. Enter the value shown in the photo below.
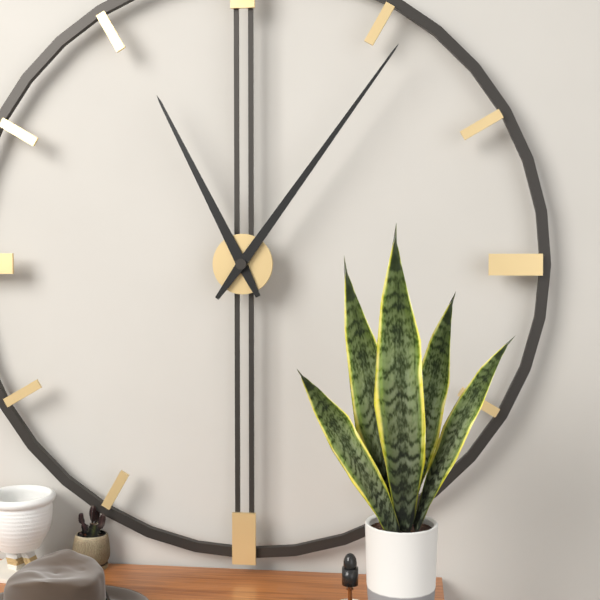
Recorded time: 11:06
